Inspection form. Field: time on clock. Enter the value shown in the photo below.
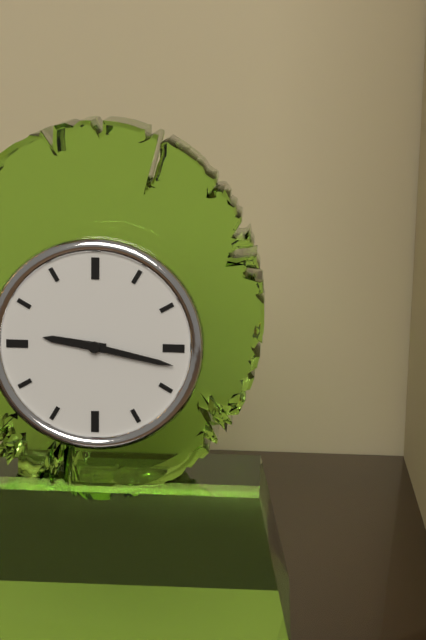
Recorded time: 9:17
